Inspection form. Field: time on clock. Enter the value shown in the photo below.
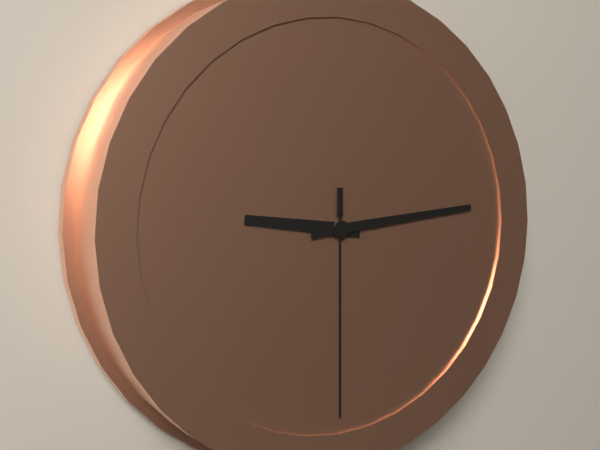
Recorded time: 9:14:30
